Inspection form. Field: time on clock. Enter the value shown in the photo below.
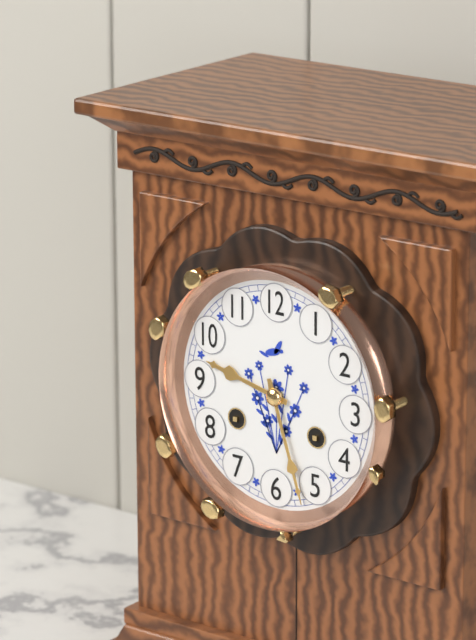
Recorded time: 9:27
